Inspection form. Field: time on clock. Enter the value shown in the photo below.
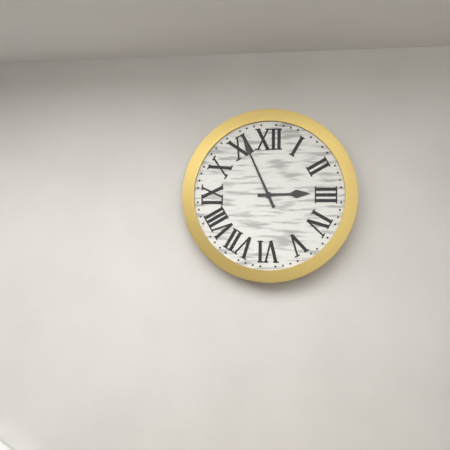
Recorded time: 2:56
